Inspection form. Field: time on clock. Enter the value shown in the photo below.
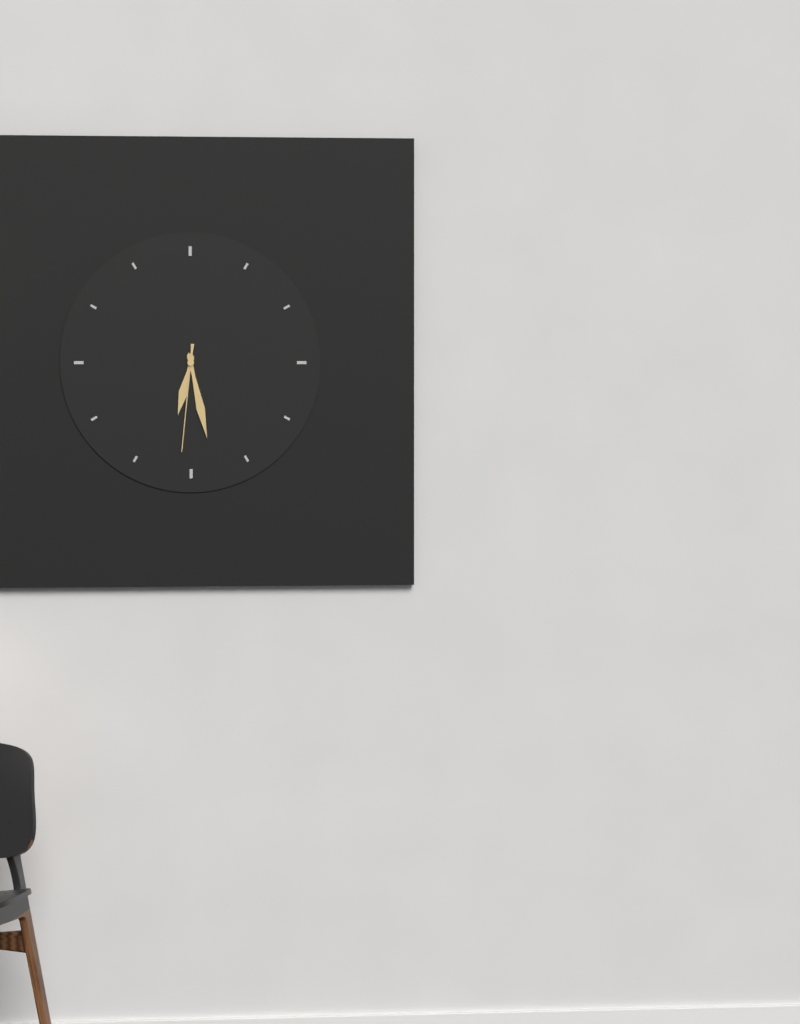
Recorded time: 6:28:31
